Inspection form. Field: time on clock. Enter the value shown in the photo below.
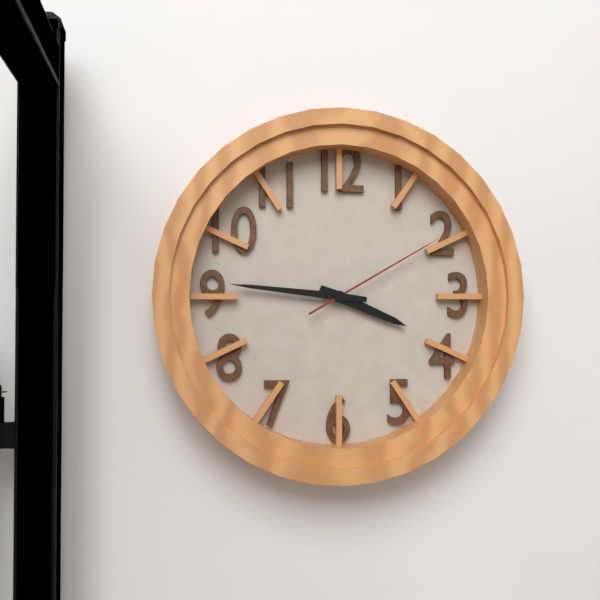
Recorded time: 3:46:10
